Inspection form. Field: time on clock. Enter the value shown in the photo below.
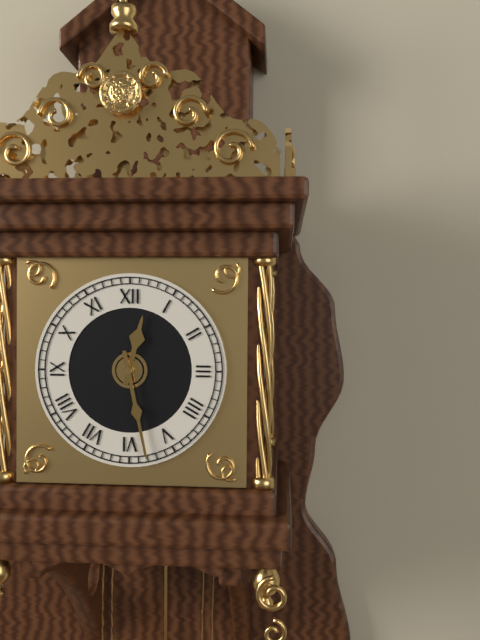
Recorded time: 12:28
